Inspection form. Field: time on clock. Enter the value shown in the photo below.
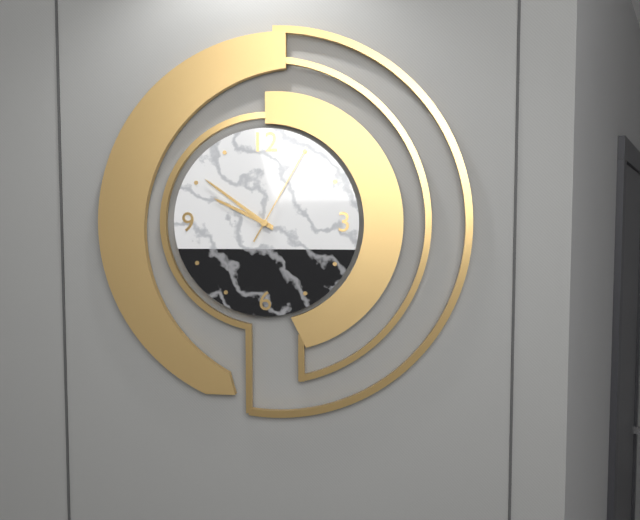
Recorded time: 9:51:05
